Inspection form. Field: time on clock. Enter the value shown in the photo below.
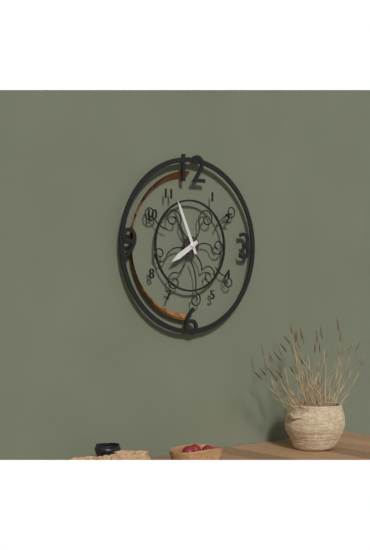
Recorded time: 7:56
